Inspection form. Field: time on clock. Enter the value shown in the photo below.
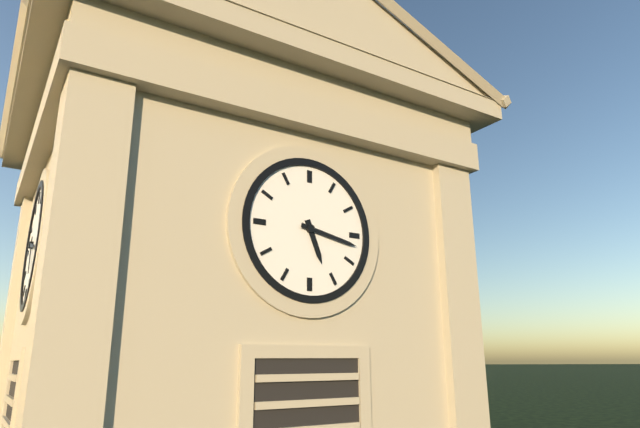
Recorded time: 5:17
